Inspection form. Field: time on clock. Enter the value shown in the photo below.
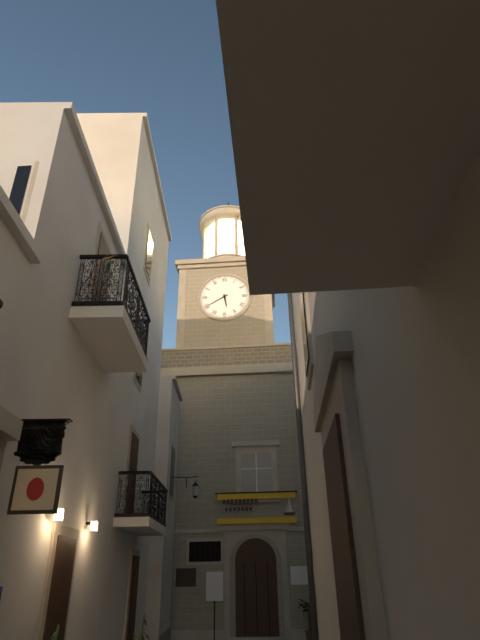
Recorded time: 5:40
